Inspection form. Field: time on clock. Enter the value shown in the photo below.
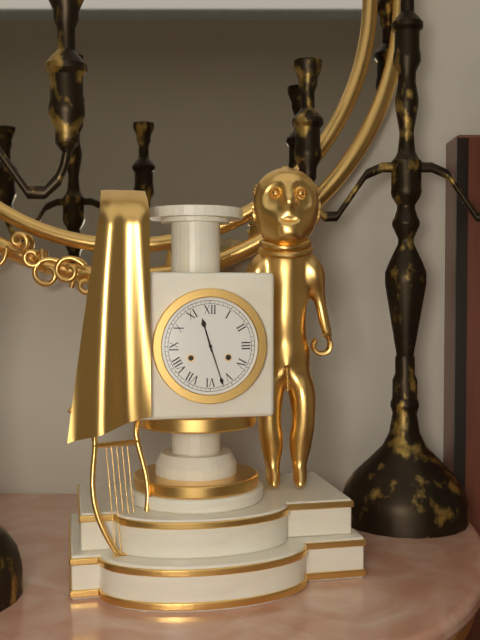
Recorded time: 11:27
